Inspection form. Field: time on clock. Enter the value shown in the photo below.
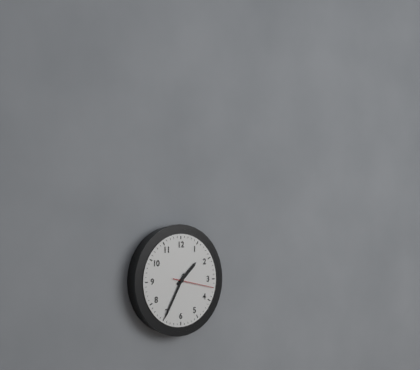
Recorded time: 1:35
